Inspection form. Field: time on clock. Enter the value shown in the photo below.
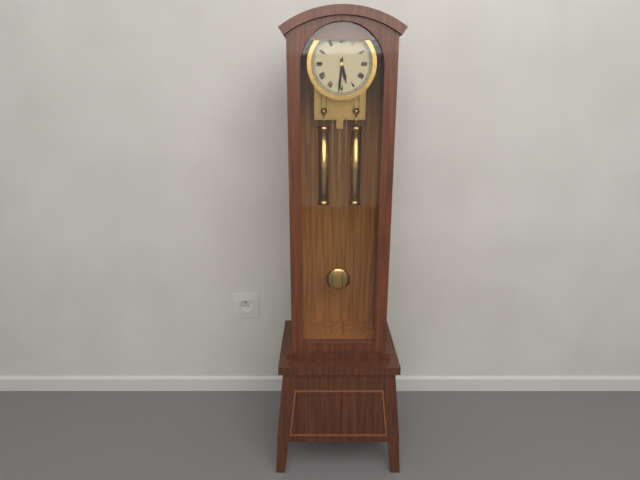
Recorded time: 5:31
